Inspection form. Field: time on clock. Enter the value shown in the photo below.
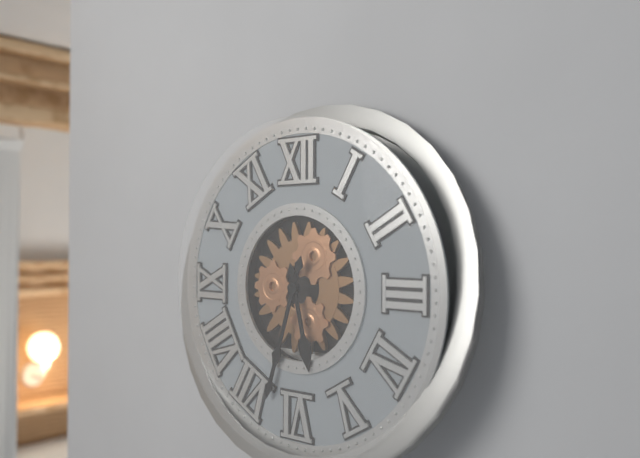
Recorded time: 5:33
